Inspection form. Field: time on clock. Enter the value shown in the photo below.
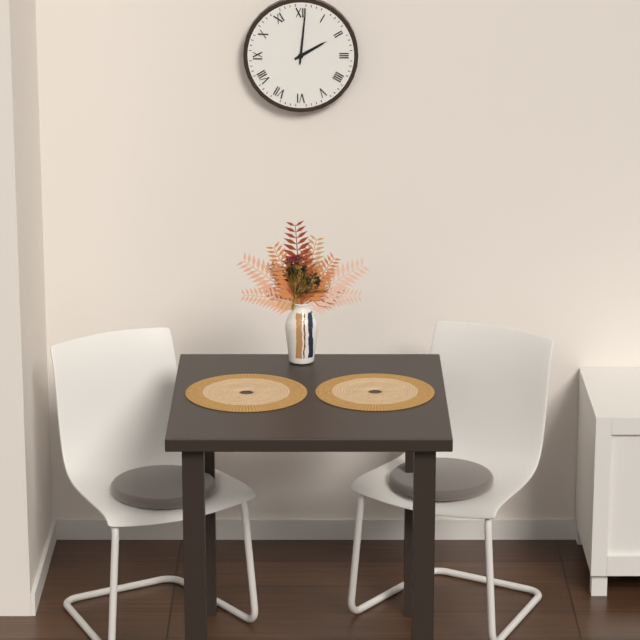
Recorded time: 2:01
